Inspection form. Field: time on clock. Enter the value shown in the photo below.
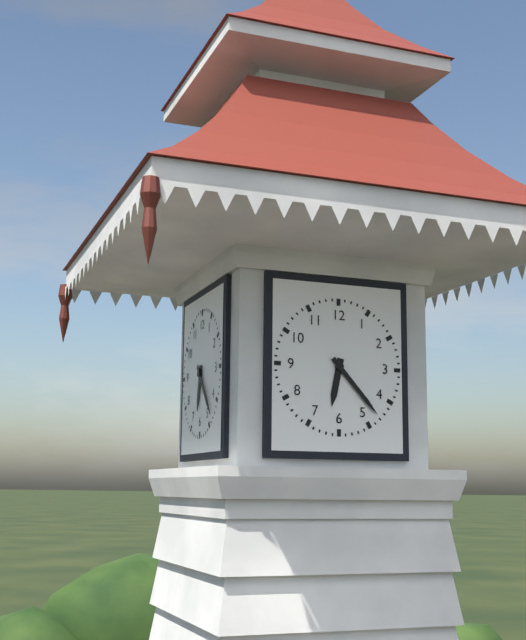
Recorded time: 6:23
